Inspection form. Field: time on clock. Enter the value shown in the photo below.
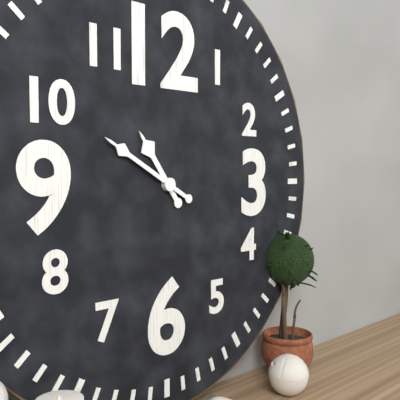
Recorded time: 10:50
